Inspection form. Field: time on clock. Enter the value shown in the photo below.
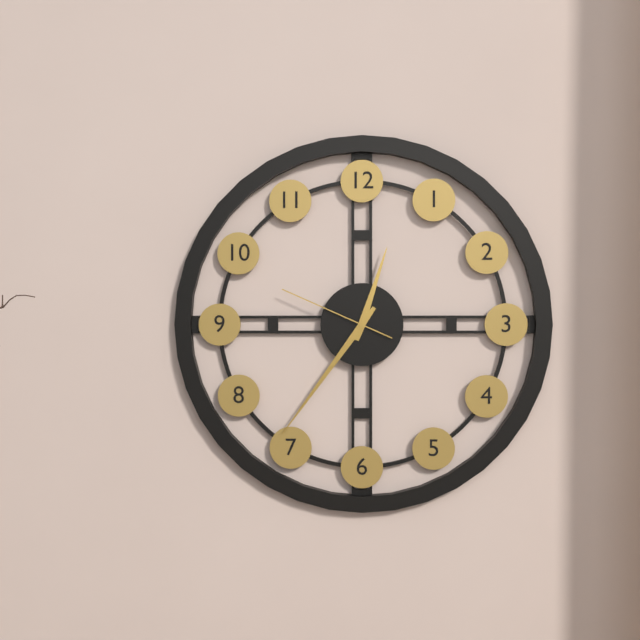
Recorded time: 12:36:49
